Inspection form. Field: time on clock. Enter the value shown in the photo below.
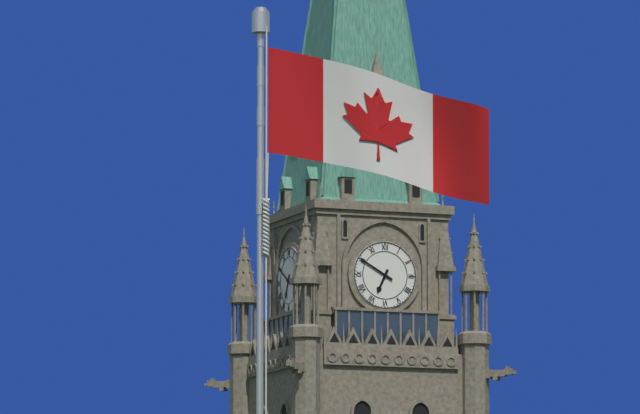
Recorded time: 6:50
